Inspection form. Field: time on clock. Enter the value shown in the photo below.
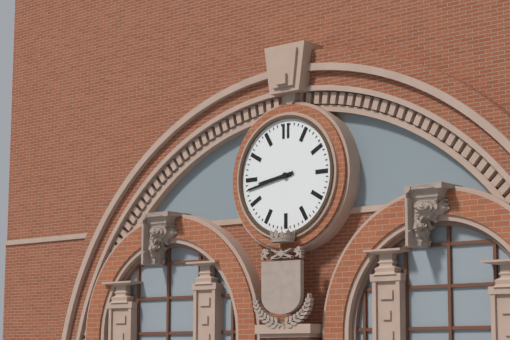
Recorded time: 8:43
